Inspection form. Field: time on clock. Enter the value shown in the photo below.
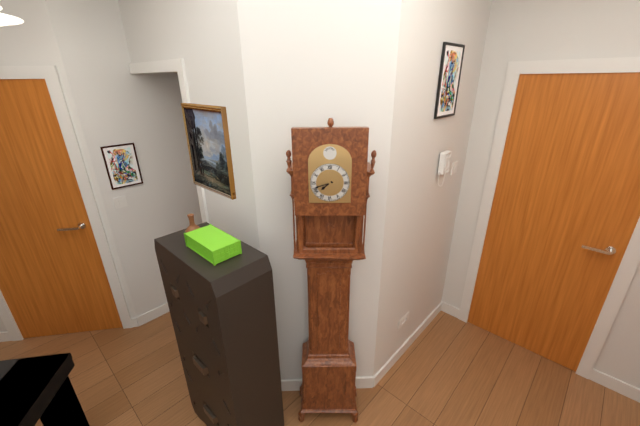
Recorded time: 7:42
